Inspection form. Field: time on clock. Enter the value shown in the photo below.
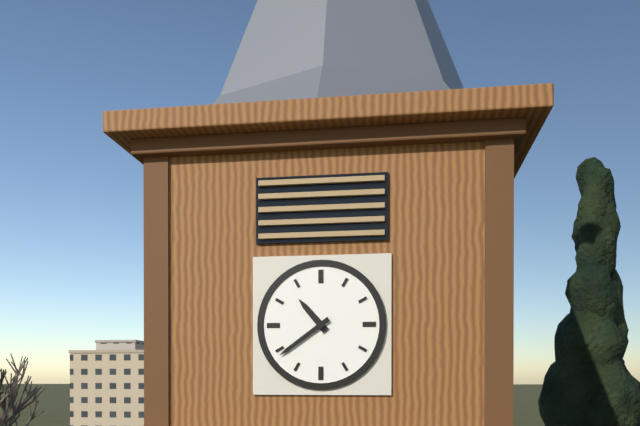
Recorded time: 10:39
